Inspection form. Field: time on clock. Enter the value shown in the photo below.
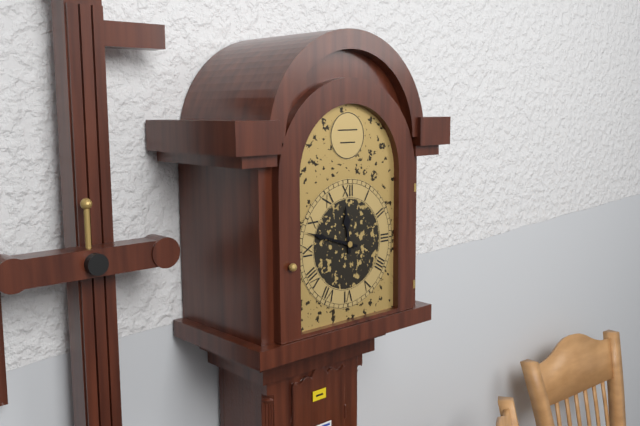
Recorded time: 11:48
